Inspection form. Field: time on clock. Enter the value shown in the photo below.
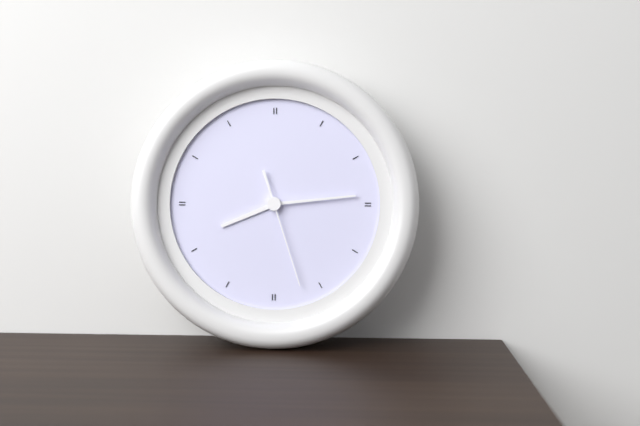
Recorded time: 8:14:27
